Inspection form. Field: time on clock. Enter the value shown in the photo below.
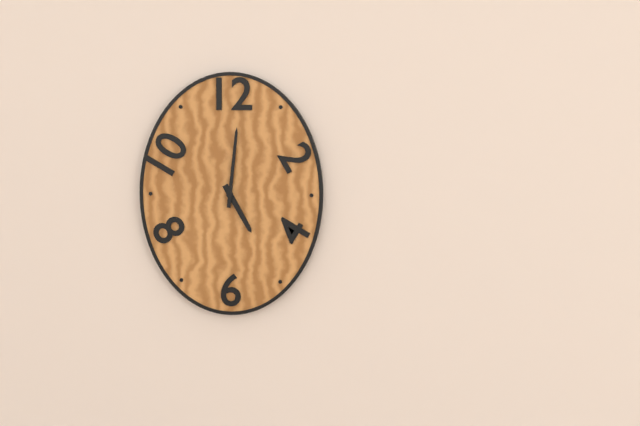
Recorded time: 5:01
